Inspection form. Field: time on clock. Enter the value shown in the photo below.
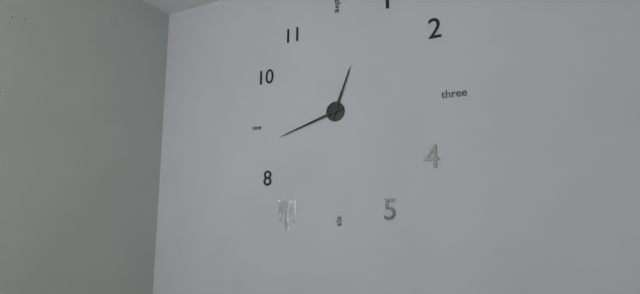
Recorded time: 12:42
